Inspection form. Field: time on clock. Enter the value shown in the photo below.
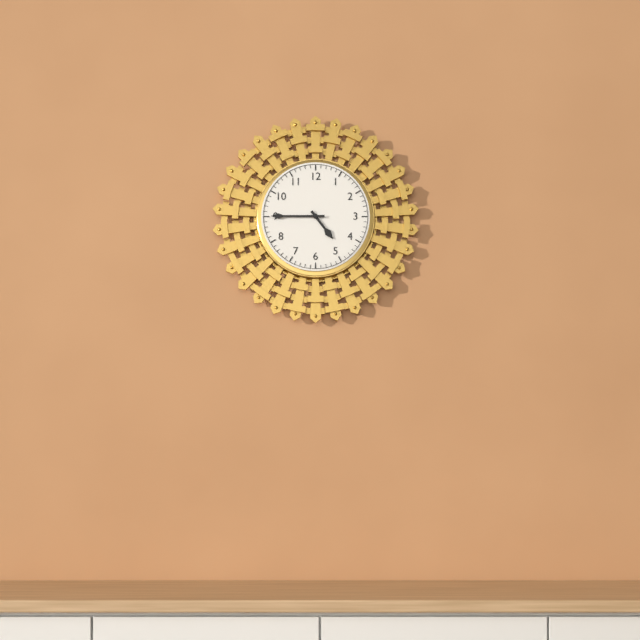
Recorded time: 4:45
